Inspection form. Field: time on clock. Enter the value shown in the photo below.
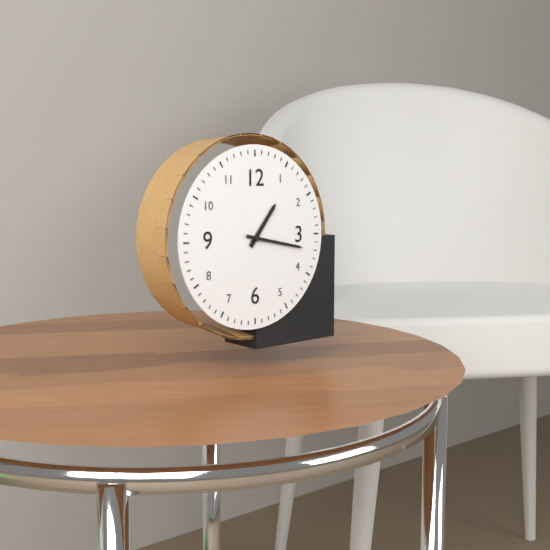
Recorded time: 1:17
